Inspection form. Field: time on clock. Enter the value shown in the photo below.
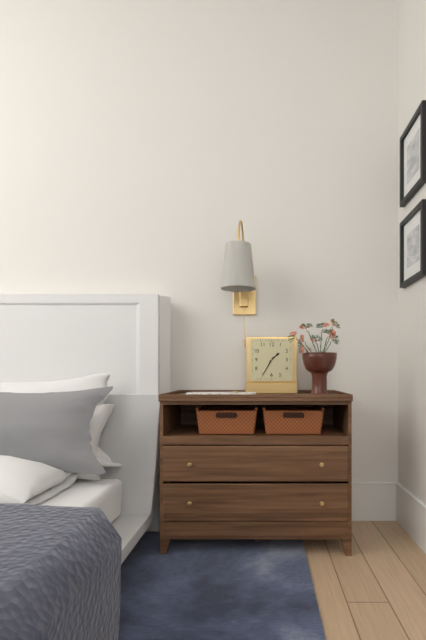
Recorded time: 1:35
